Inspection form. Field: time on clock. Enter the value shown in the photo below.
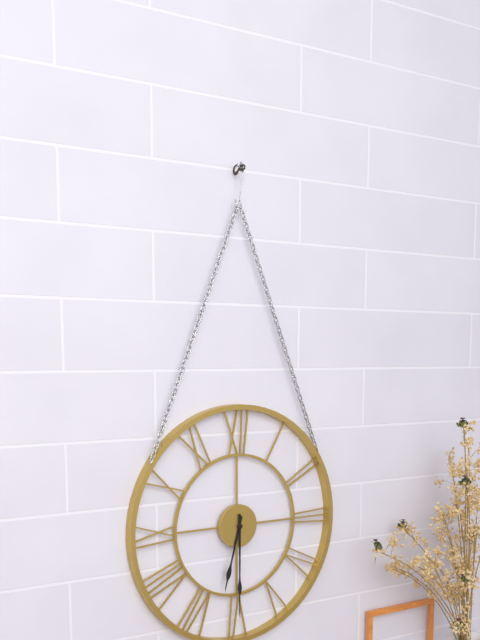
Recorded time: 6:30
